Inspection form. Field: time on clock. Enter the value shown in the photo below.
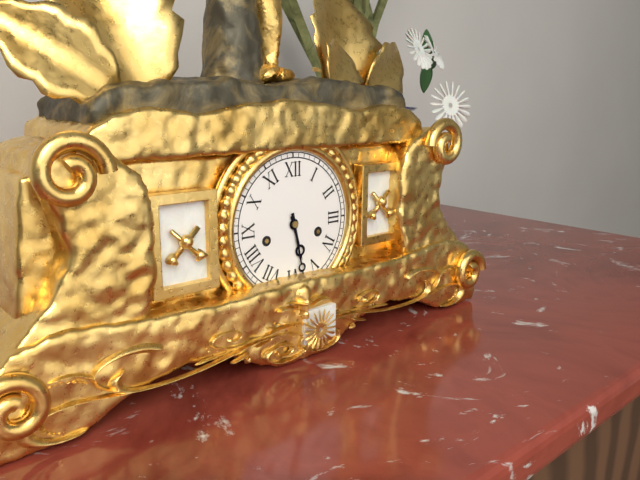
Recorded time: 5:28
